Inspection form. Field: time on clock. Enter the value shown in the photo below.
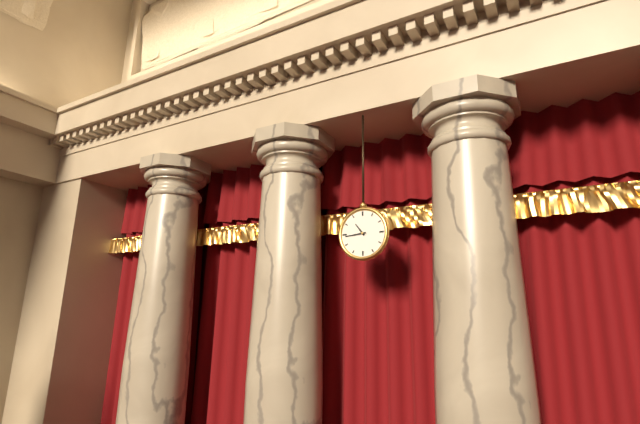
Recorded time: 10:44
